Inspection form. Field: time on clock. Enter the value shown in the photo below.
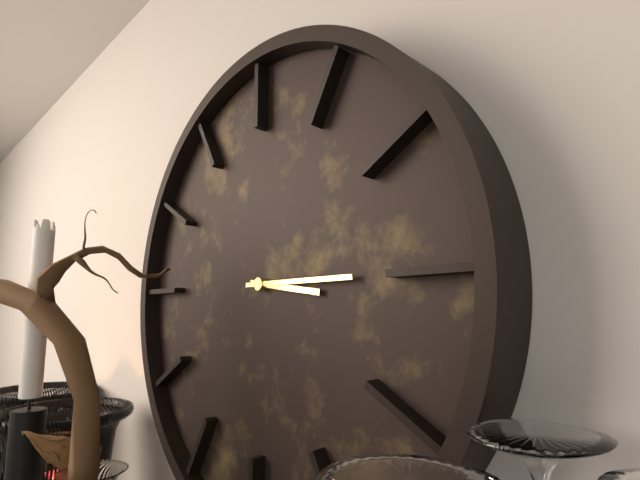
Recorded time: 3:15
